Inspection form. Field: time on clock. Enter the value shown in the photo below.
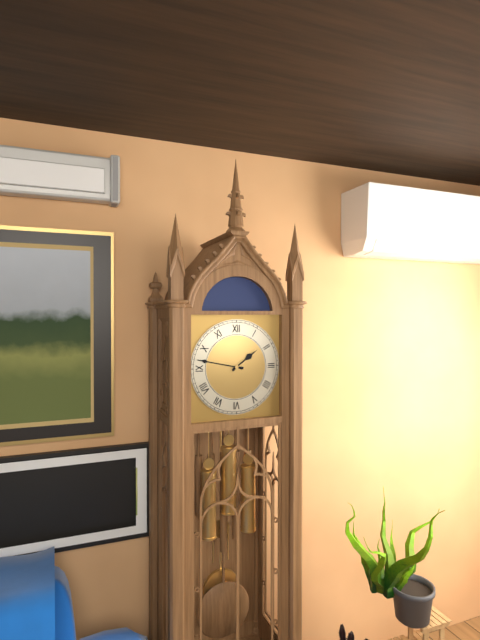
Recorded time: 1:47
